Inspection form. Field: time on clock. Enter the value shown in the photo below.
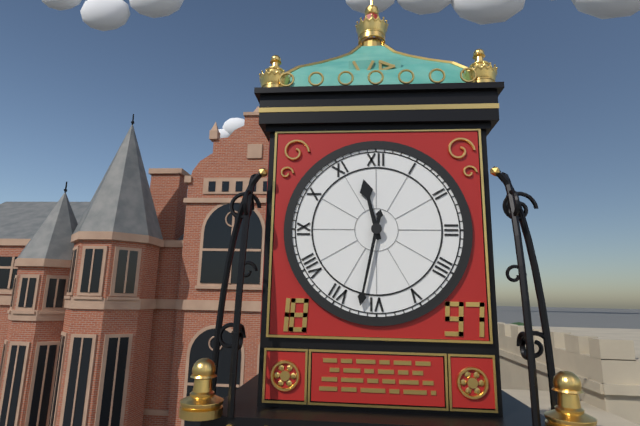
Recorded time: 11:32
